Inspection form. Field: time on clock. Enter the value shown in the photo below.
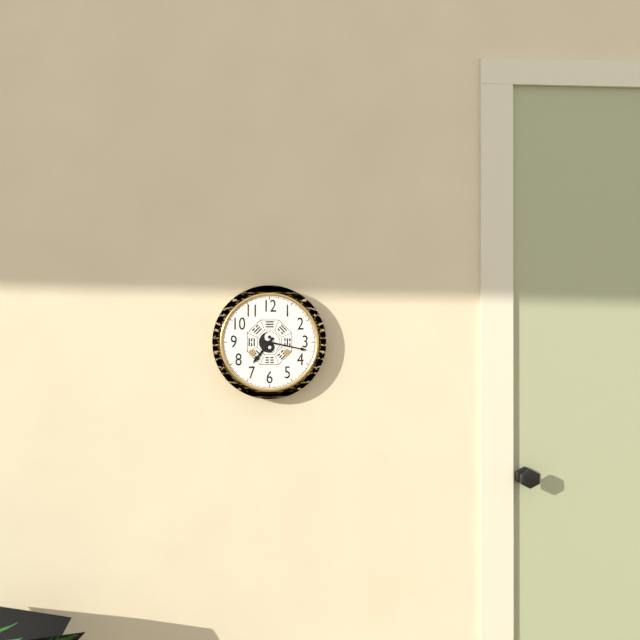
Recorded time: 7:17
